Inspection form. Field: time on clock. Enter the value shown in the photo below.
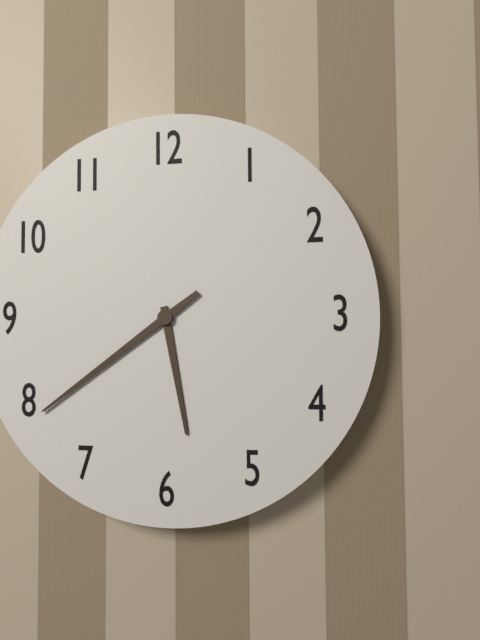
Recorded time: 5:39
